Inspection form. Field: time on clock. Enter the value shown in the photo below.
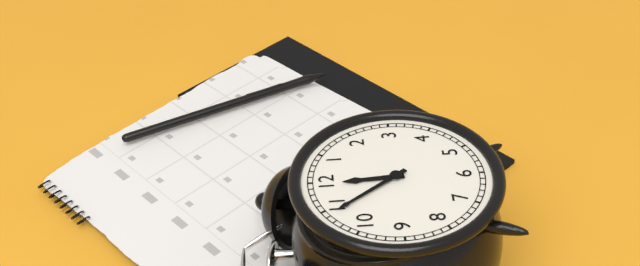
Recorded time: 11:54
